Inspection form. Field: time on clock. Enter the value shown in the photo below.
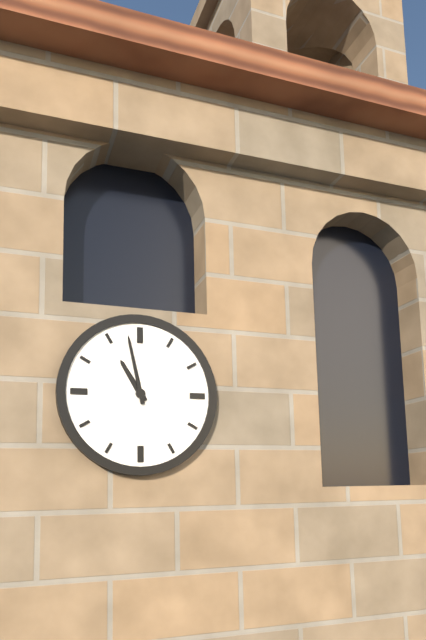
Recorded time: 10:58
